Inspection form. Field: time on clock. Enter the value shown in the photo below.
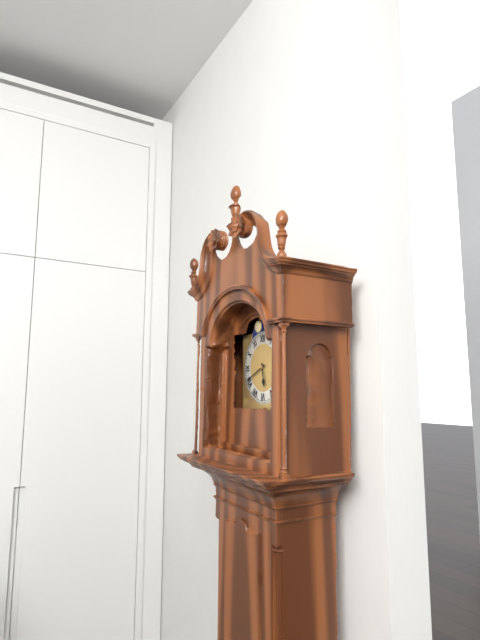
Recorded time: 5:41
